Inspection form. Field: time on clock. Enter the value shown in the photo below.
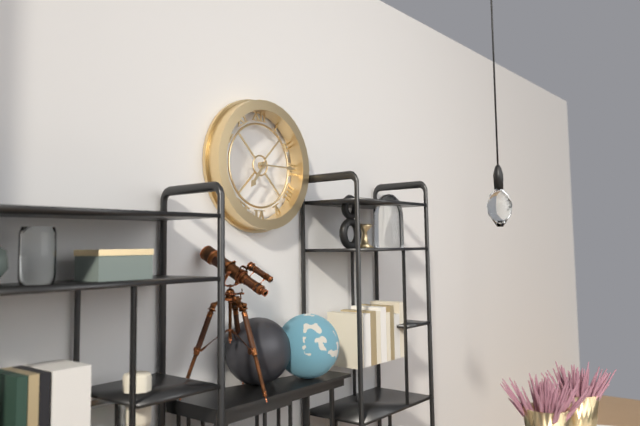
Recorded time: 7:15
